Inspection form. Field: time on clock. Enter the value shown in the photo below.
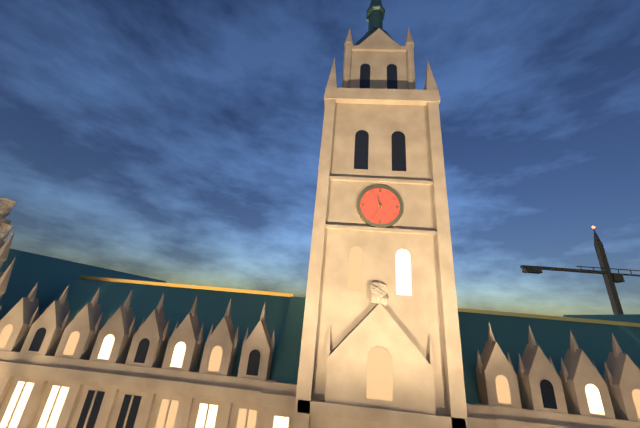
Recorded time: 11:34
